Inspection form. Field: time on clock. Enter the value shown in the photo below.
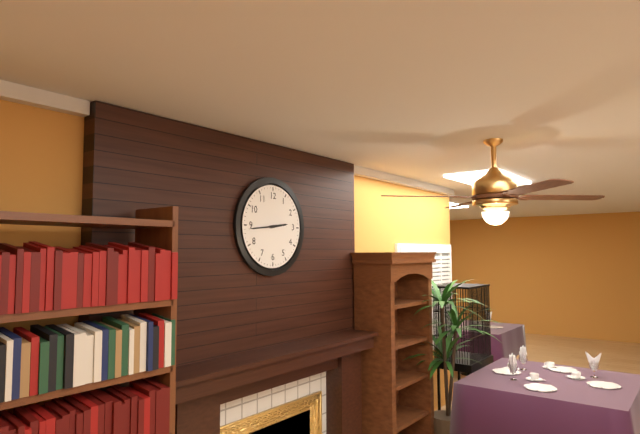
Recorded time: 2:44
